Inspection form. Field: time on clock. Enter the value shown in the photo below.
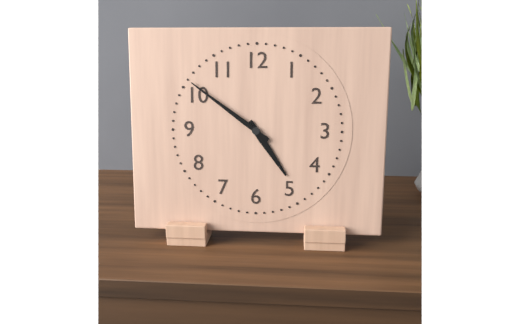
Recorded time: 4:51
